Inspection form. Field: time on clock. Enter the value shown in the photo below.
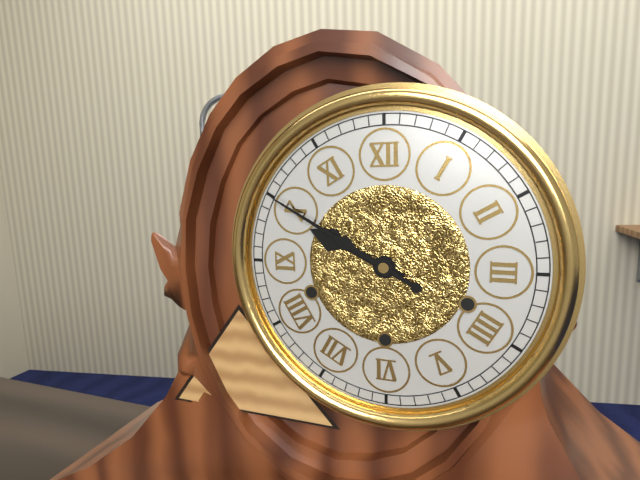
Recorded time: 9:50
